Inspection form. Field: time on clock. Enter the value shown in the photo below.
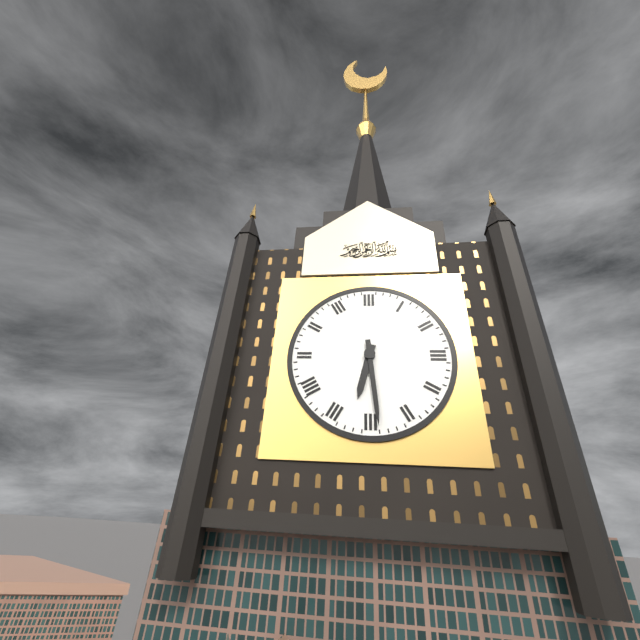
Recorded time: 6:29
